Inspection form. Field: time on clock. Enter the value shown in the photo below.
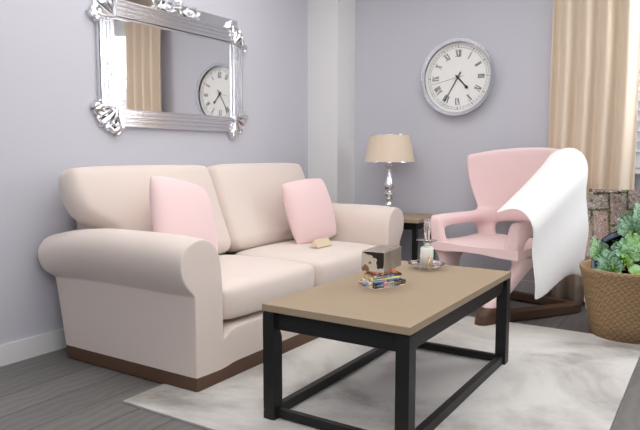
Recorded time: 4:35
